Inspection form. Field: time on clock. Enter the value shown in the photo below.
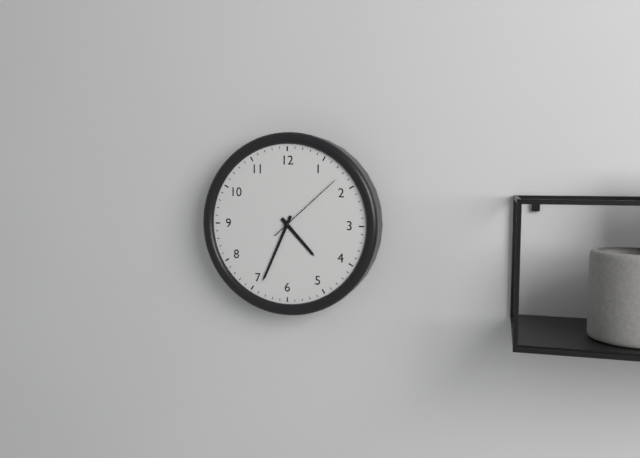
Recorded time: 4:34:08
